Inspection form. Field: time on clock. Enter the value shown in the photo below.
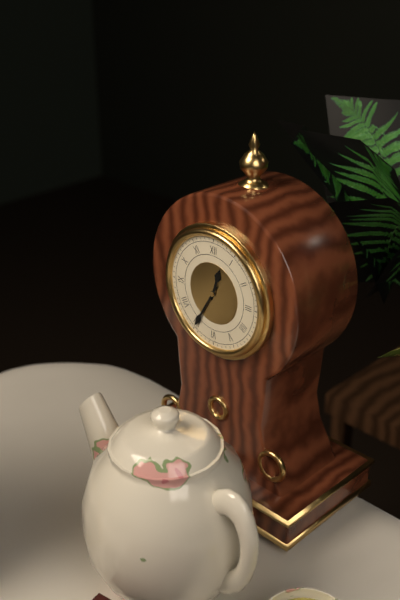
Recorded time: 12:35
